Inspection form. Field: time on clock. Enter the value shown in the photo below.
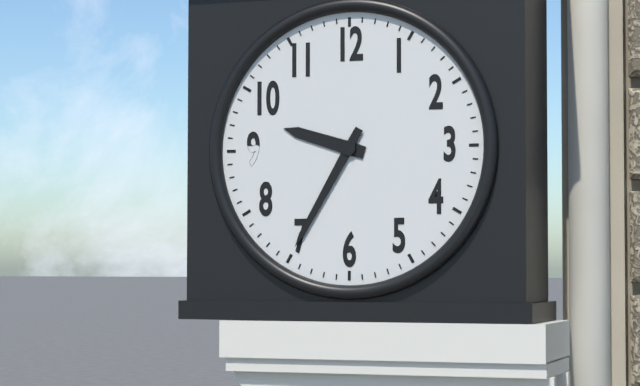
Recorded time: 9:35
